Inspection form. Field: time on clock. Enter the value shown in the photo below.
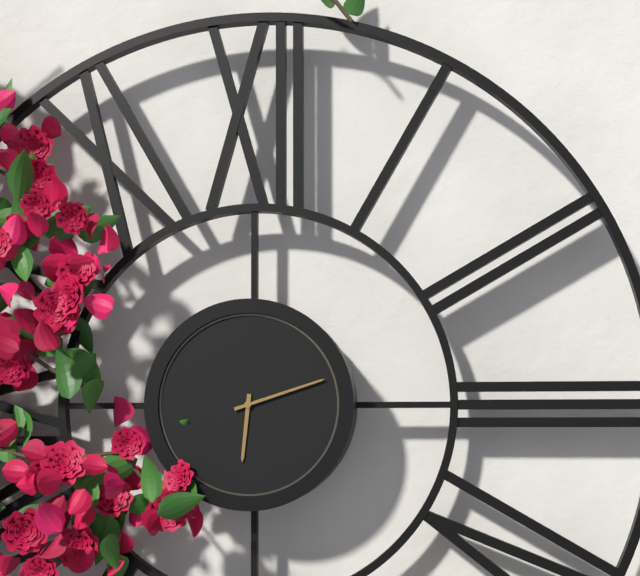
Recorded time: 6:12
